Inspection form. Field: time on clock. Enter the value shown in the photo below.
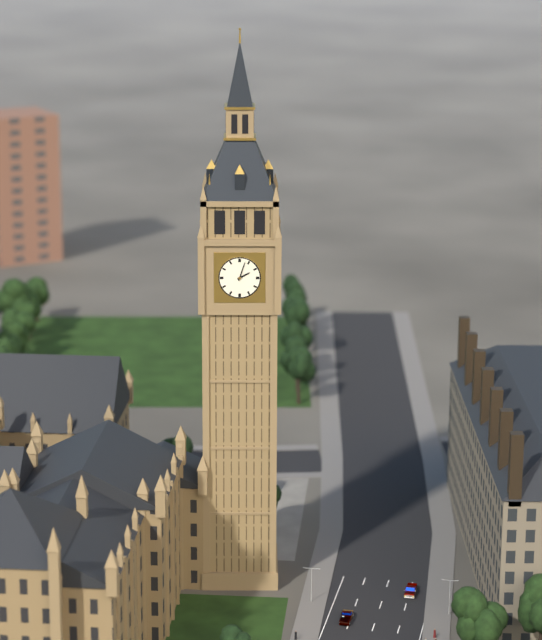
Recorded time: 2:03
